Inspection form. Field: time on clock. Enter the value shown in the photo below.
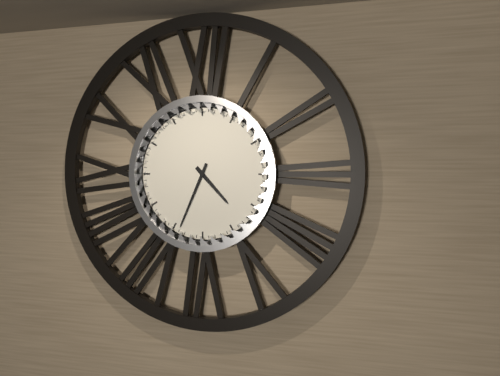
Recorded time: 4:34
